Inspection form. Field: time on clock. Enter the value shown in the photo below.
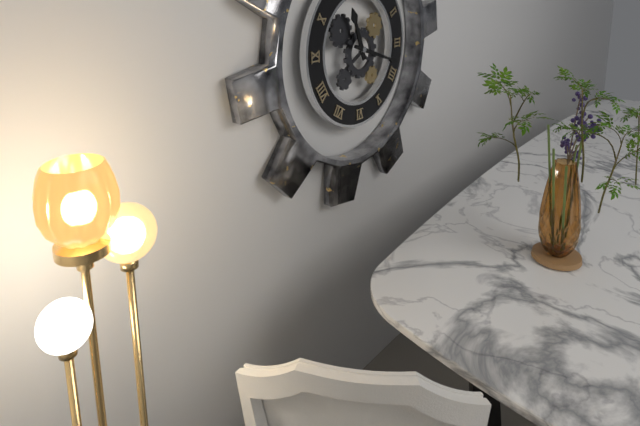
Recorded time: 11:18
